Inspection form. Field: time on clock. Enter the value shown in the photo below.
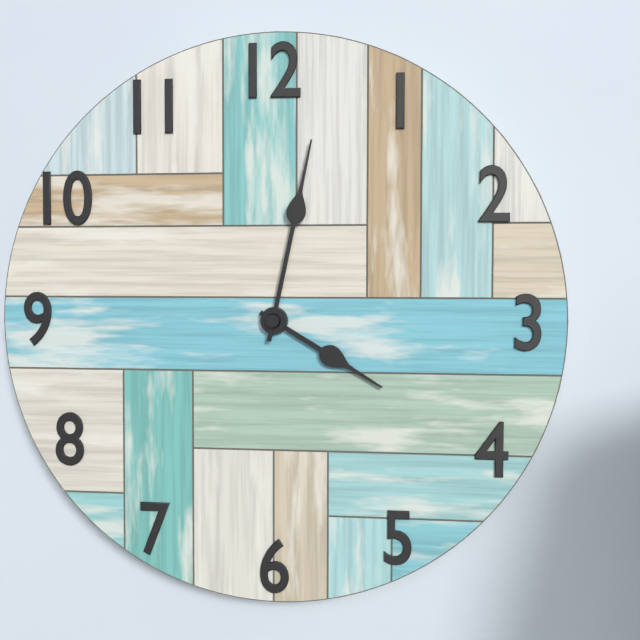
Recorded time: 4:02
